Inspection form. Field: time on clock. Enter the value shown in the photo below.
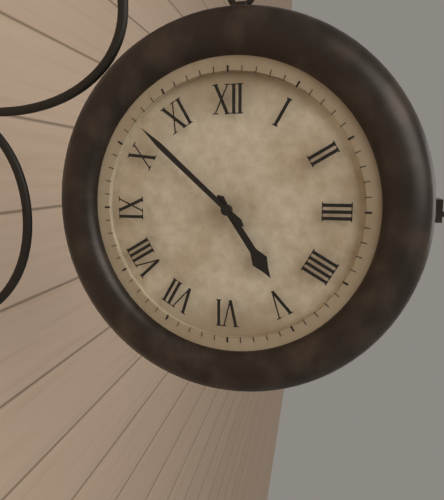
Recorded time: 4:52
